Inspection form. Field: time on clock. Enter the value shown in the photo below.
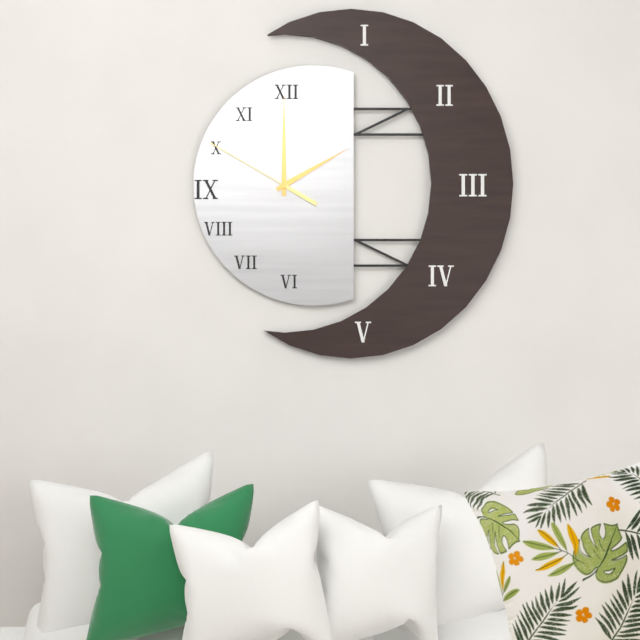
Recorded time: 2:00:50
